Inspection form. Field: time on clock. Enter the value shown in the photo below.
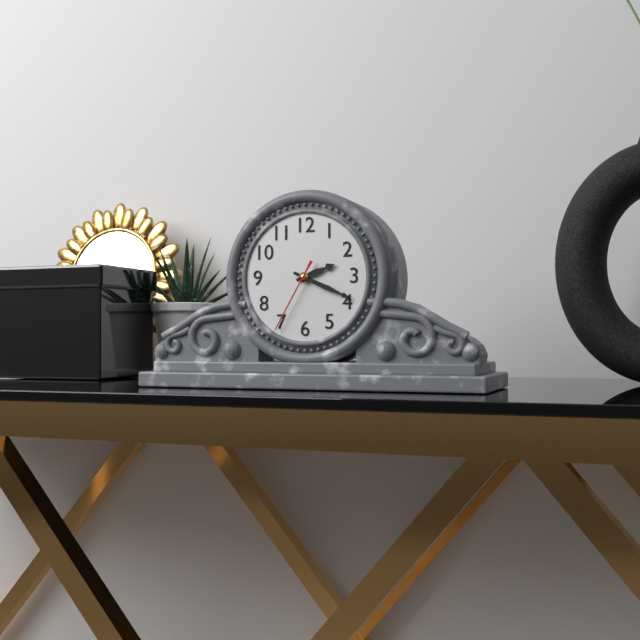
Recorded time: 2:19:35
